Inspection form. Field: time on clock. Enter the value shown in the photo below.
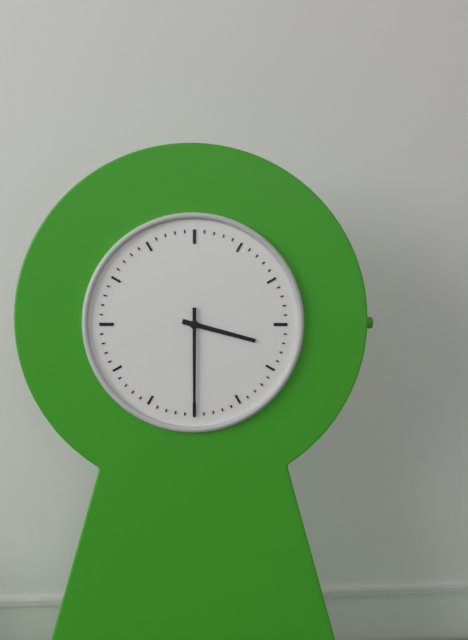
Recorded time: 3:30
